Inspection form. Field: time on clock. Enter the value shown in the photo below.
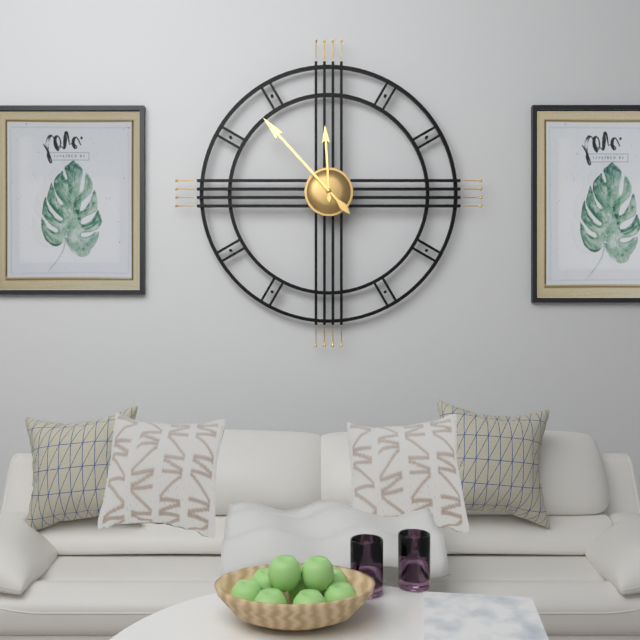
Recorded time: 11:53
